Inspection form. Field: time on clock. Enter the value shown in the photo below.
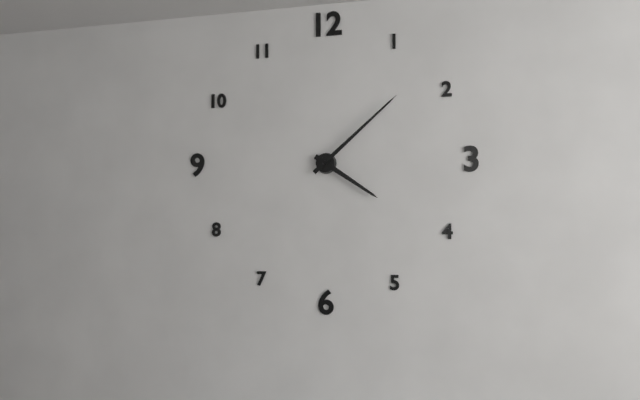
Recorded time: 4:08
